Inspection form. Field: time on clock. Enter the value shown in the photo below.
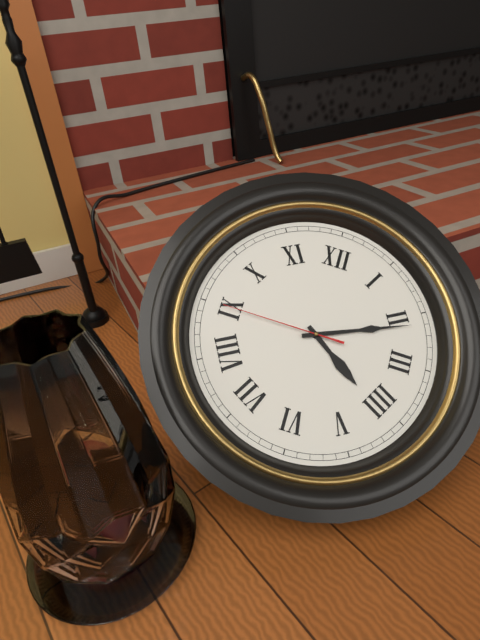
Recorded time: 4:11:45
